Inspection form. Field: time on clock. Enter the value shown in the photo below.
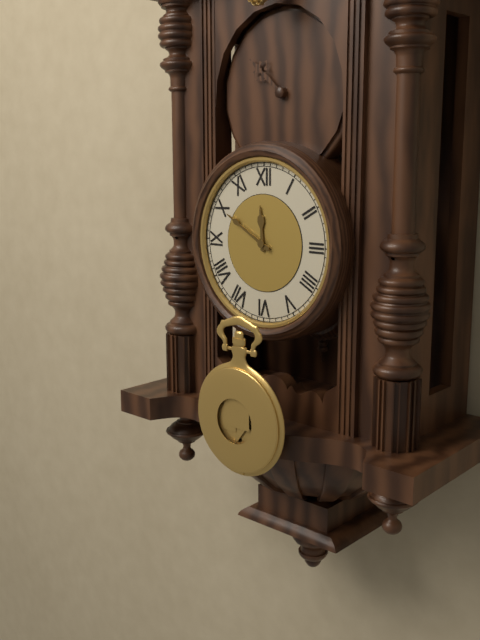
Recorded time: 11:50
